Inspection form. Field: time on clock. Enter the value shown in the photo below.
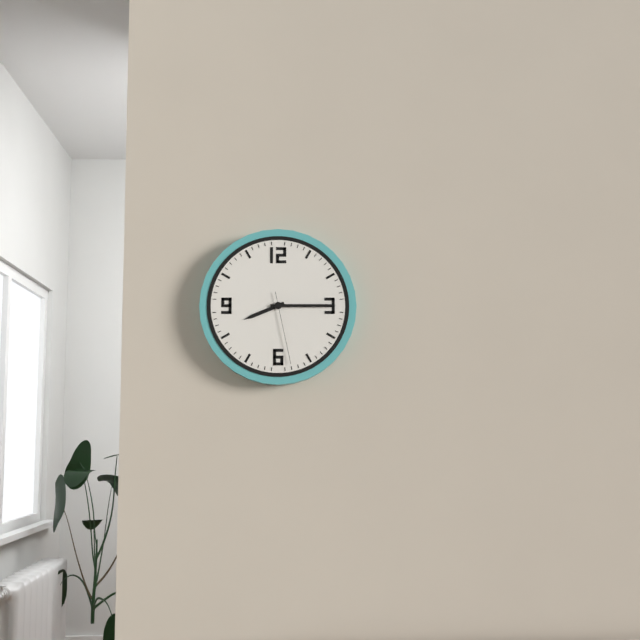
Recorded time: 8:15:28
